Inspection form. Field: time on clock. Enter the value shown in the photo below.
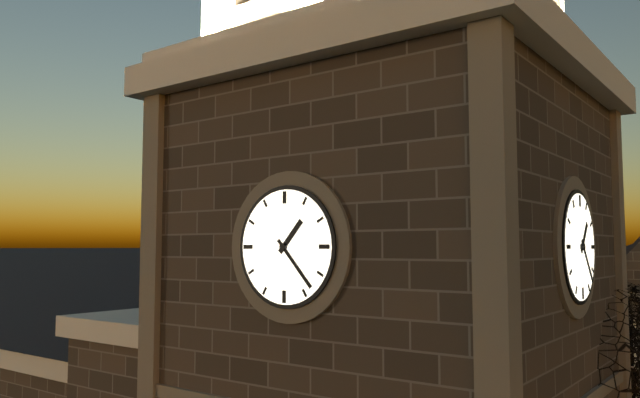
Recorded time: 1:23
